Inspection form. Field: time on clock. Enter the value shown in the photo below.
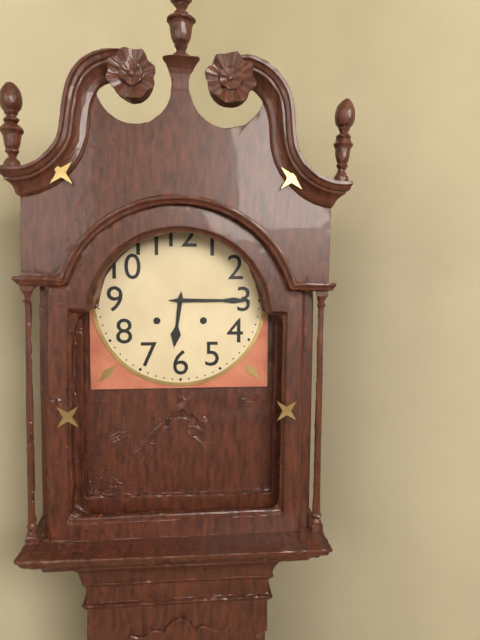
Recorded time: 6:15
